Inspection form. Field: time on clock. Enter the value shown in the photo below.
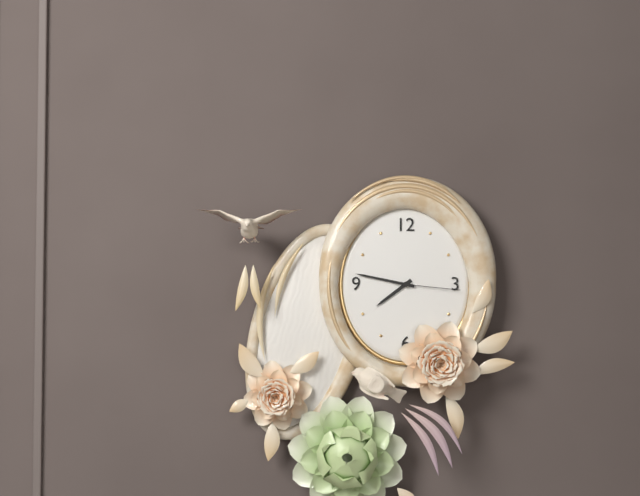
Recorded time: 7:47:16
